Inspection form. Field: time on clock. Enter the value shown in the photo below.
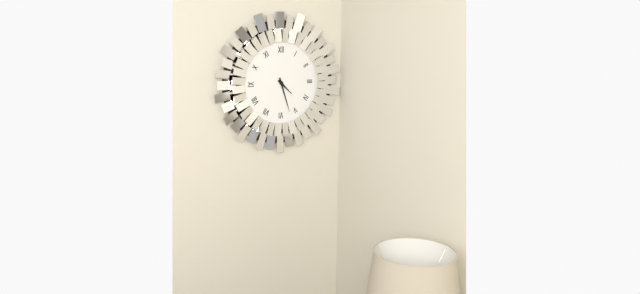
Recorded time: 4:27
